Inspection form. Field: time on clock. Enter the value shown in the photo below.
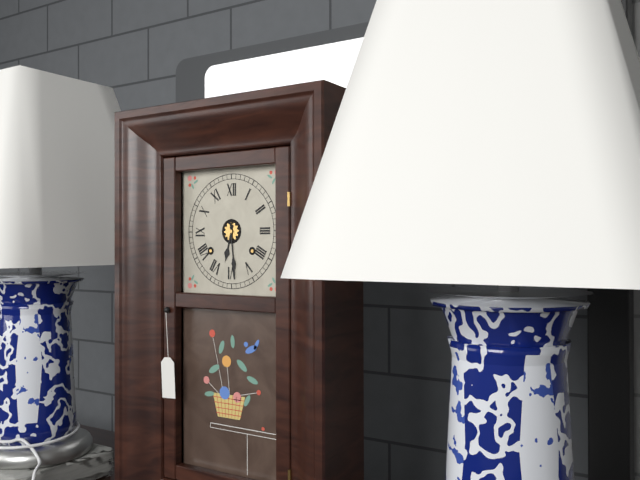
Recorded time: 6:29
